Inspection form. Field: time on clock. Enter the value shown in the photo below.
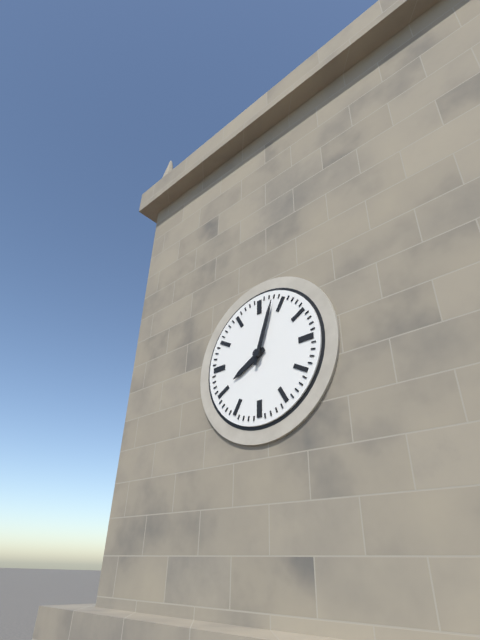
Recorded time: 8:03
